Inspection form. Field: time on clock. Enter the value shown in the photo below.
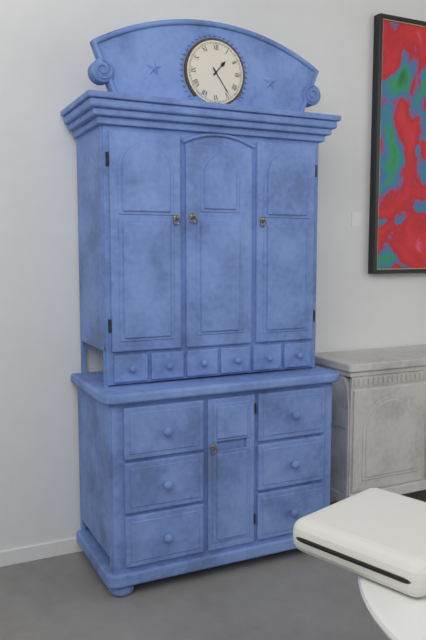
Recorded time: 1:24
